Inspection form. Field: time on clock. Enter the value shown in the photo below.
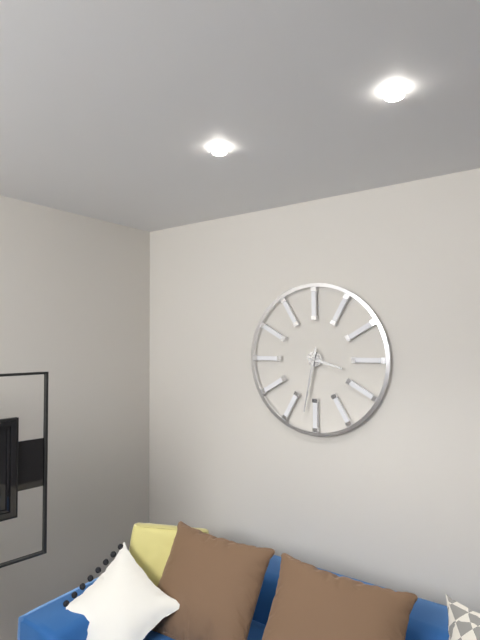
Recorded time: 3:32
